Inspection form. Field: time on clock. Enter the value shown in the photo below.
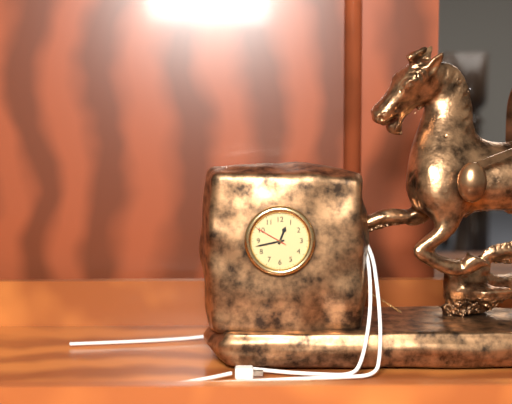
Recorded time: 12:43
